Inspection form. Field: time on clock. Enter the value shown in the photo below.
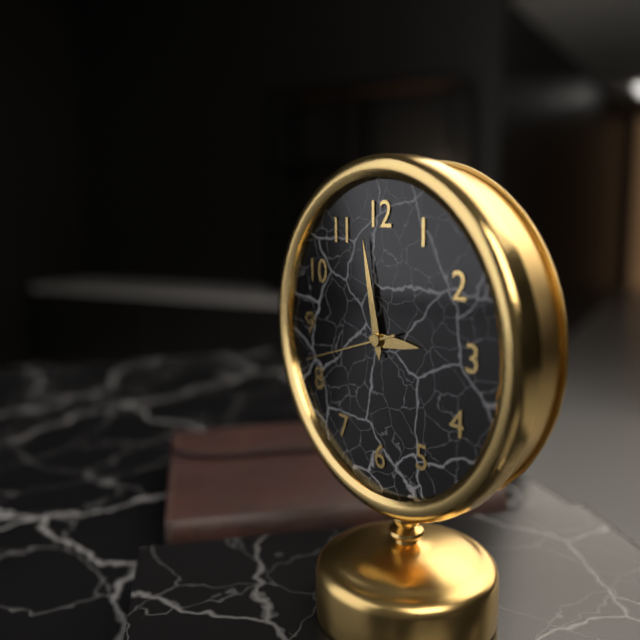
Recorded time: 2:58:42
